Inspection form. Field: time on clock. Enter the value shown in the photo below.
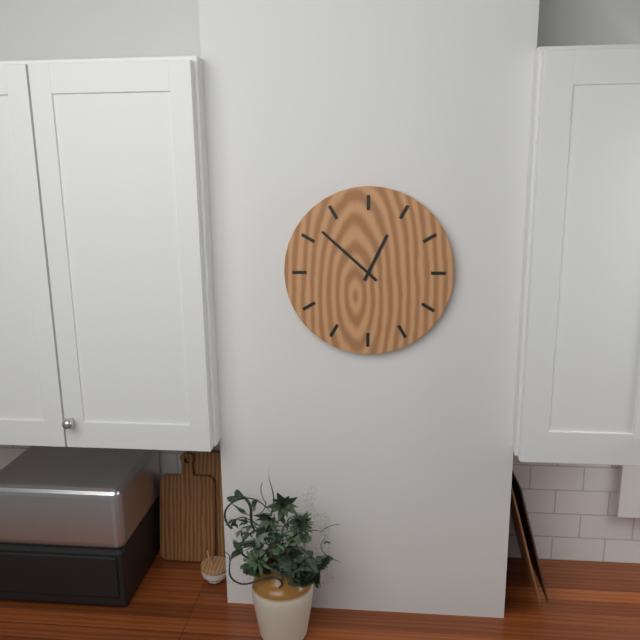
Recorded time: 12:52
